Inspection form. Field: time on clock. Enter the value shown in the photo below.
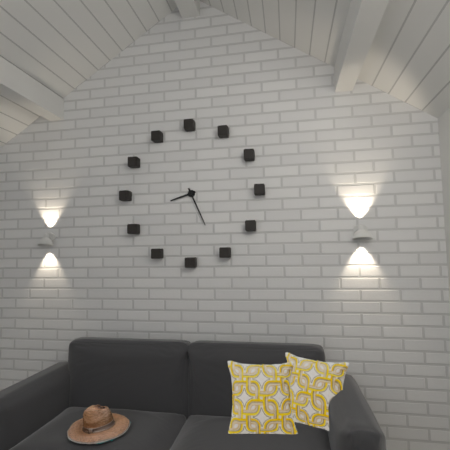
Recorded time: 8:26
